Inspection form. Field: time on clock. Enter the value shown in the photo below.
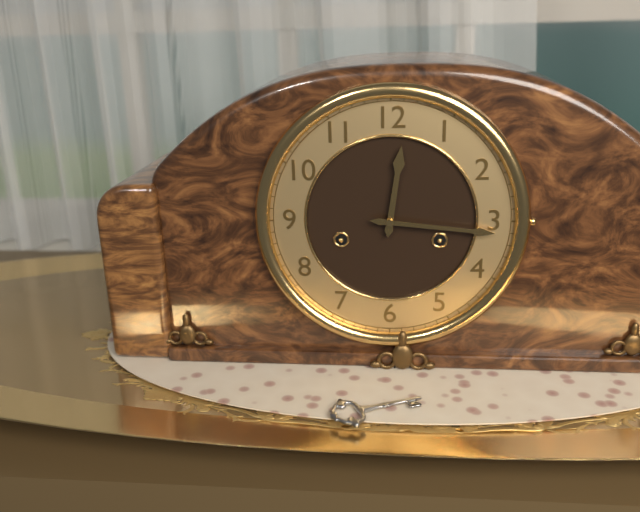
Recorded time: 12:16
